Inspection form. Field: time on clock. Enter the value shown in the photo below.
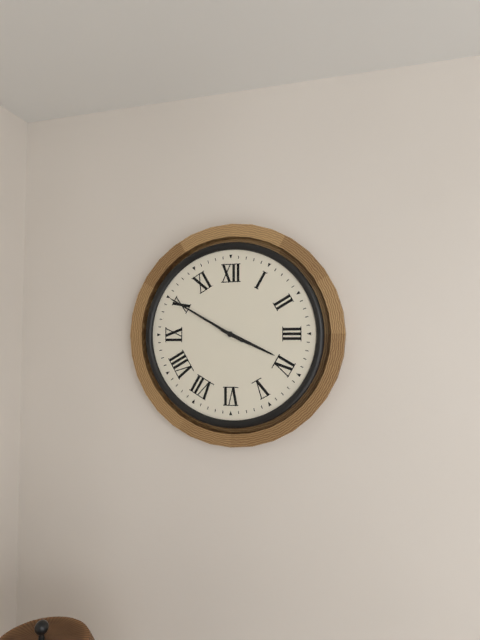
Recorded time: 3:50
